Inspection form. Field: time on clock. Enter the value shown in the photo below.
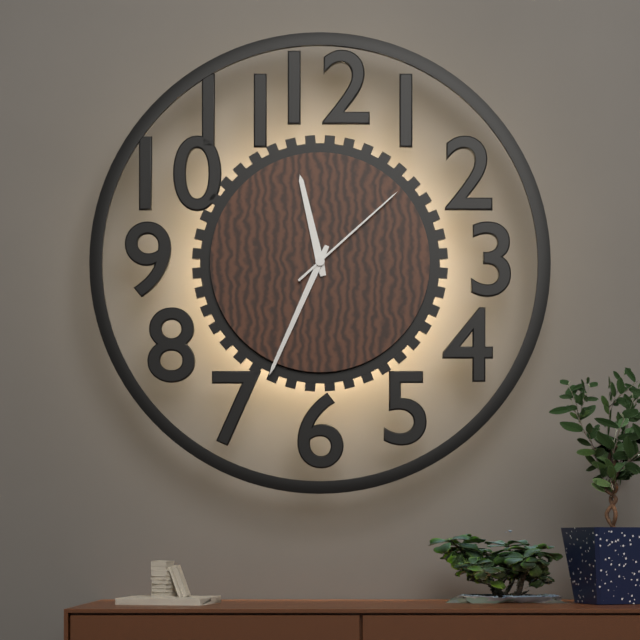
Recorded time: 11:34:08
